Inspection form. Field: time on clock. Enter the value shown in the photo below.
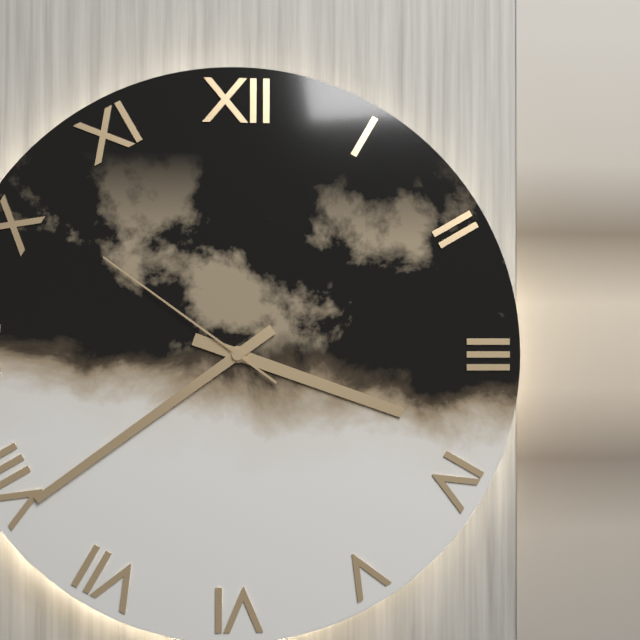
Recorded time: 3:39:51
